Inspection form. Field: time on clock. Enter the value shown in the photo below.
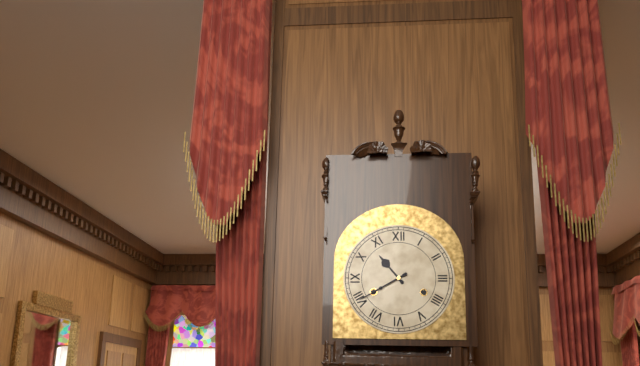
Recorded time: 10:40
